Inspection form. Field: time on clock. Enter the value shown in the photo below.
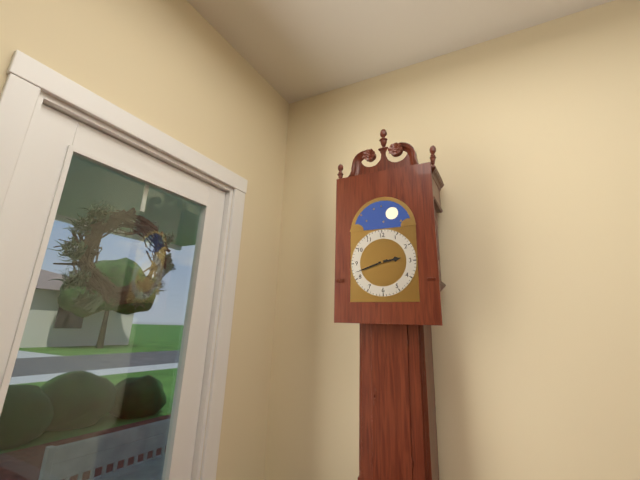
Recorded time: 2:42
